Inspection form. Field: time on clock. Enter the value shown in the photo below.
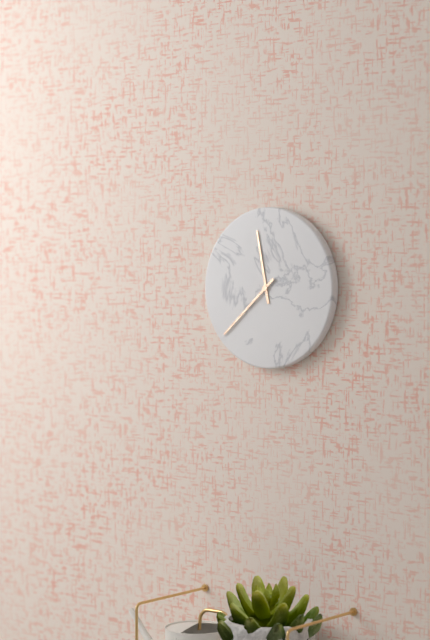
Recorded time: 11:38
